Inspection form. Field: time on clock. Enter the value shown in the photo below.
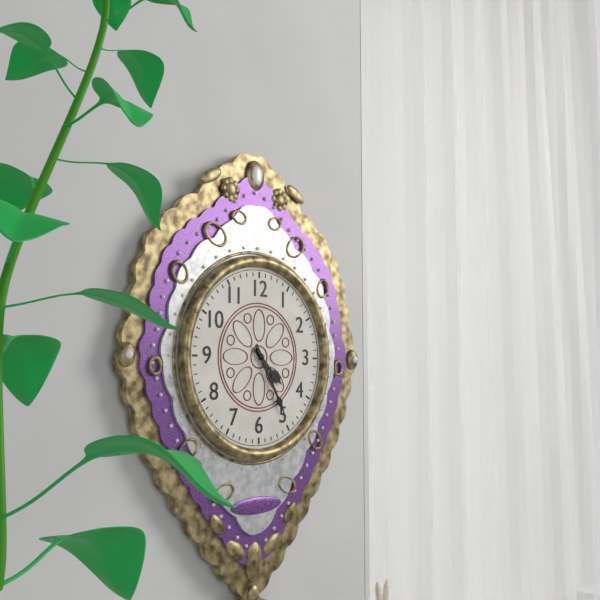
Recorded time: 4:25
